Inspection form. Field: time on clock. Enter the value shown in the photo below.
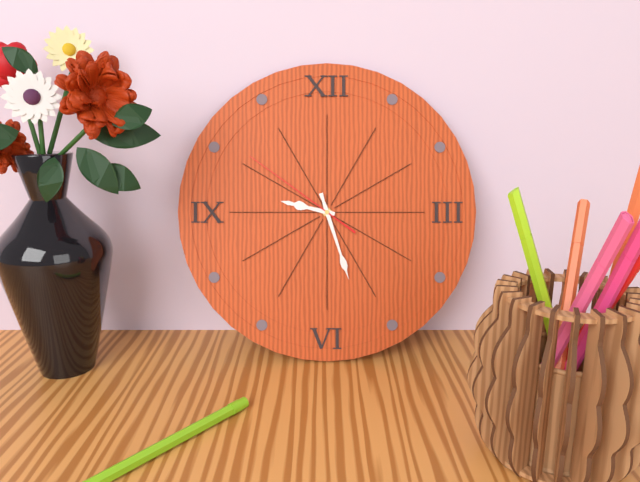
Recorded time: 9:27:51
